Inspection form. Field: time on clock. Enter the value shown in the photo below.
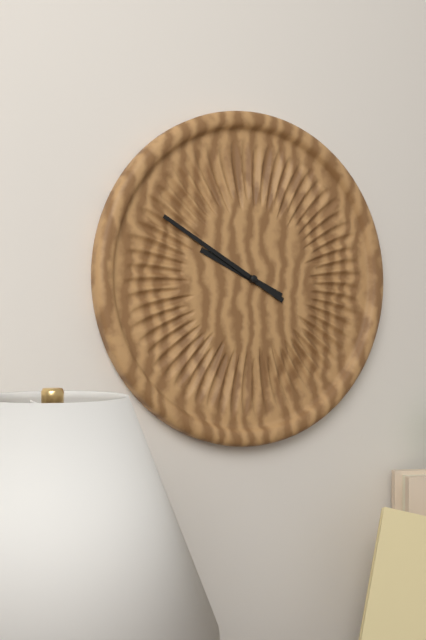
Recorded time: 9:50
